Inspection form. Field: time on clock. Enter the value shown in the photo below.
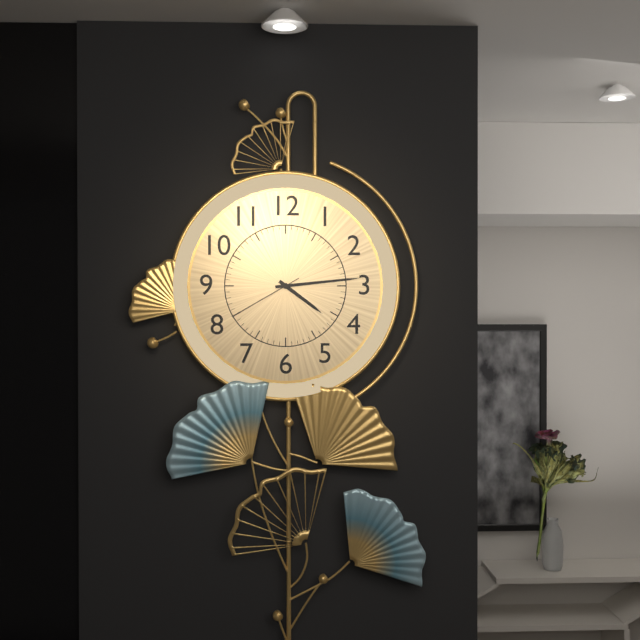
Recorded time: 4:14:40
